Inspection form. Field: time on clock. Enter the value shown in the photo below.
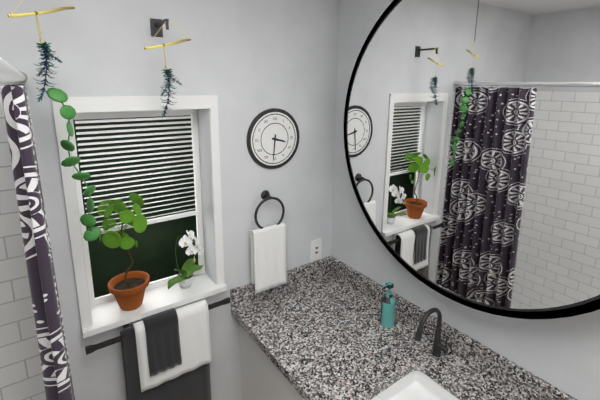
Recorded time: 3:31
